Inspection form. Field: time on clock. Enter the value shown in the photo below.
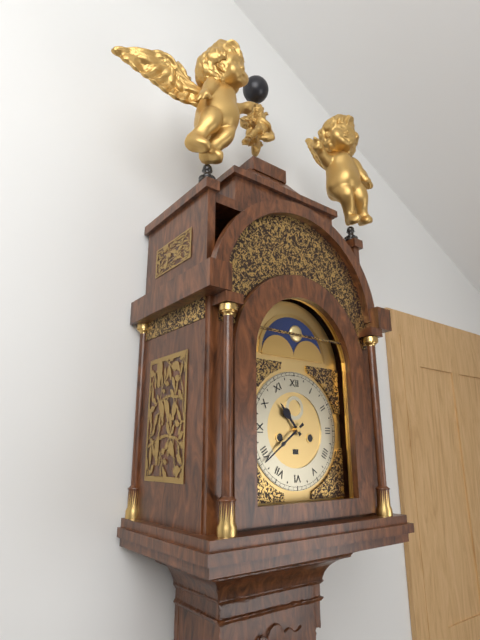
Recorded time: 10:39
